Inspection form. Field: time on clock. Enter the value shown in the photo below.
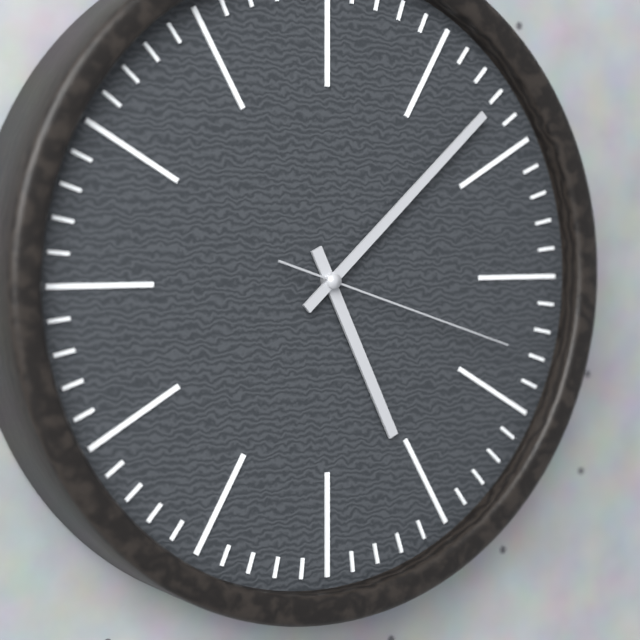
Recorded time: 5:08:18
